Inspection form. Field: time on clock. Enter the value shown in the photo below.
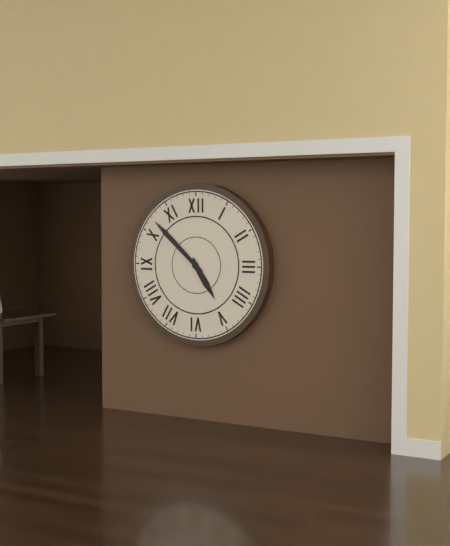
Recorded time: 4:52
